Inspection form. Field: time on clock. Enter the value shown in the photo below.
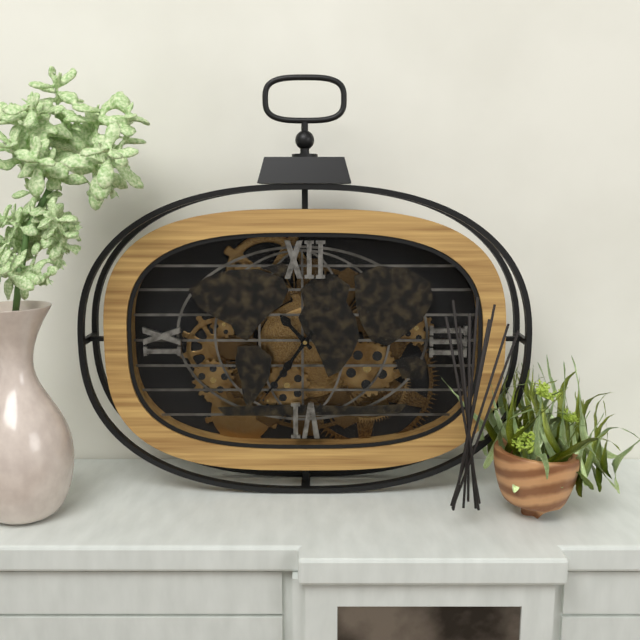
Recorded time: 10:36
